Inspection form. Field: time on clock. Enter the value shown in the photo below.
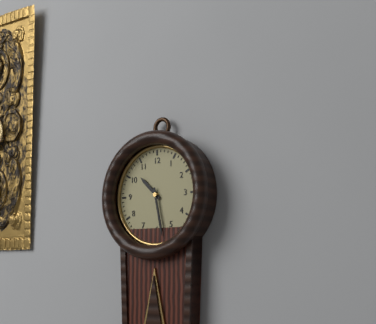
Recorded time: 10:28
